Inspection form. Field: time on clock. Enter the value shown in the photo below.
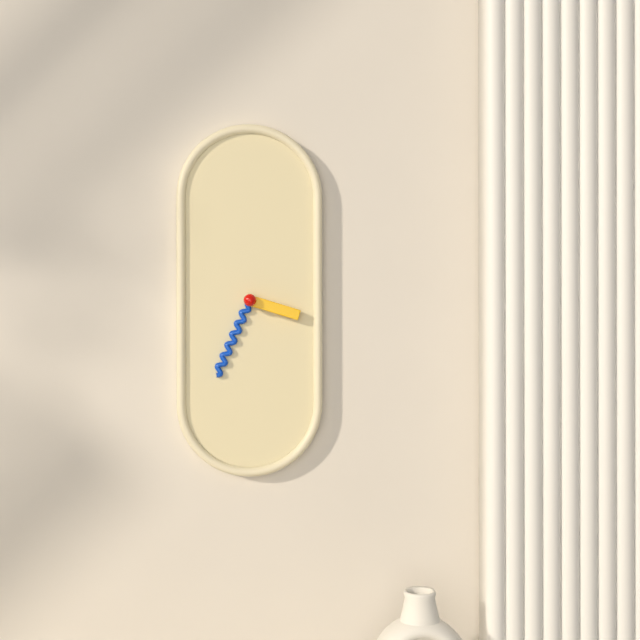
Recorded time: 3:34
